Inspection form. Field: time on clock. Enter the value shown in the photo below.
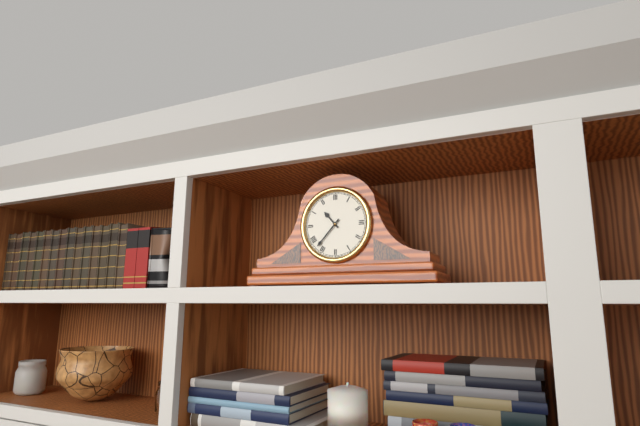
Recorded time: 10:37
